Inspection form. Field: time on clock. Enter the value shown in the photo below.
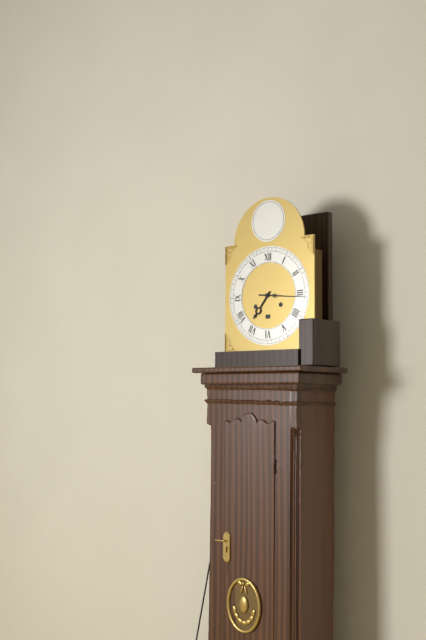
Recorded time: 7:16
